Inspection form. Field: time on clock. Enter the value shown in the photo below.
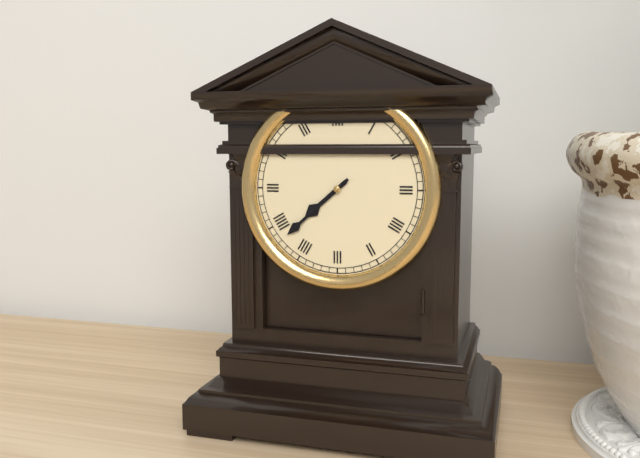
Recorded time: 7:38
